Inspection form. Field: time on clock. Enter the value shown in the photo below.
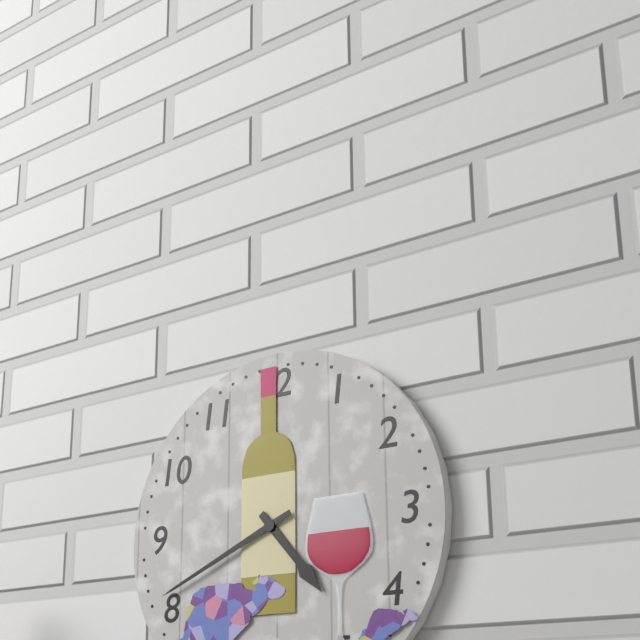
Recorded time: 4:41
